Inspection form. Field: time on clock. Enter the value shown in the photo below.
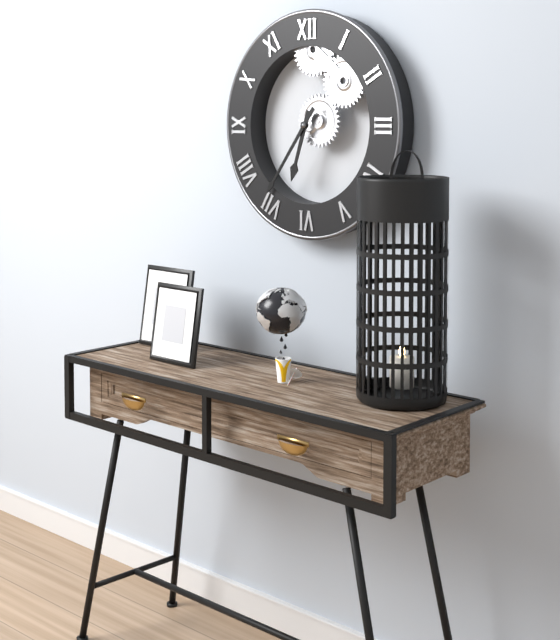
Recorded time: 6:36
